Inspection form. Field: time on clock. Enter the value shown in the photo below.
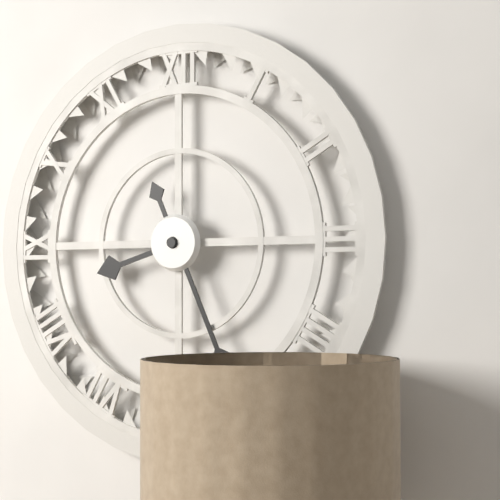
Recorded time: 8:26
